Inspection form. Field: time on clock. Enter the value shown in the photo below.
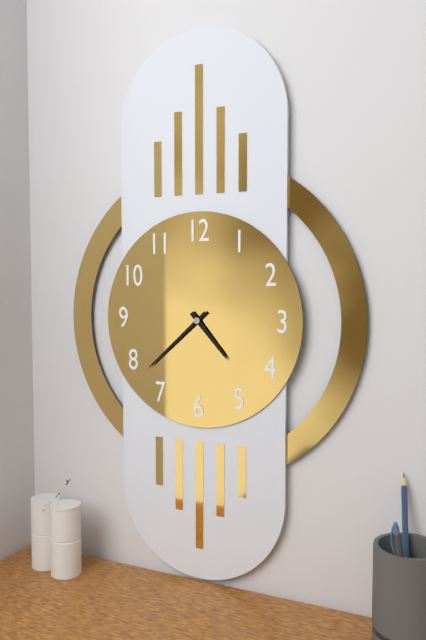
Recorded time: 4:38
